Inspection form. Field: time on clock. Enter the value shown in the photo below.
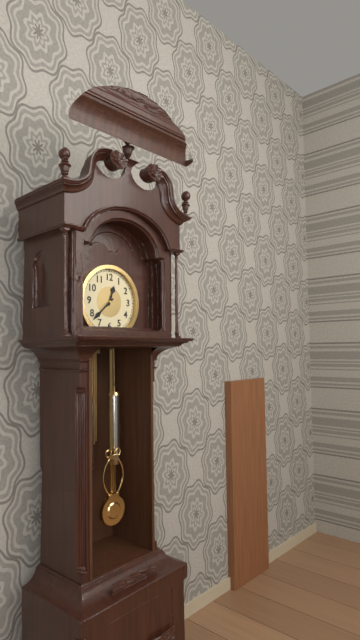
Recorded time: 12:38
